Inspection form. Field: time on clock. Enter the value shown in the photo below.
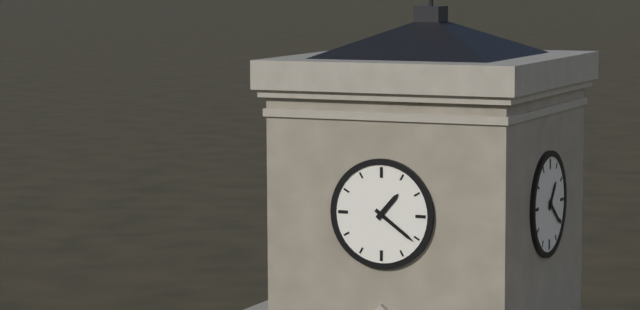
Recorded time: 1:21
